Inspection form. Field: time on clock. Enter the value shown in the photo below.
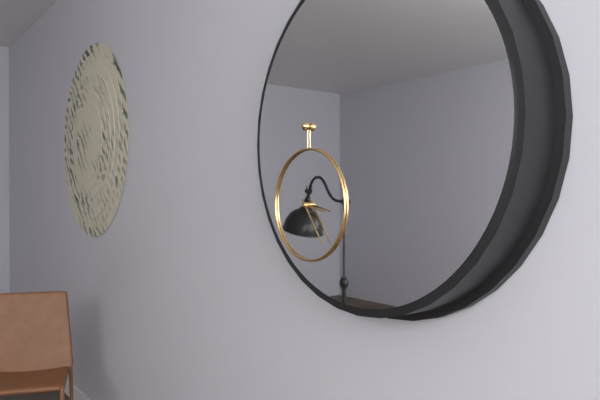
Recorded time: 3:24
